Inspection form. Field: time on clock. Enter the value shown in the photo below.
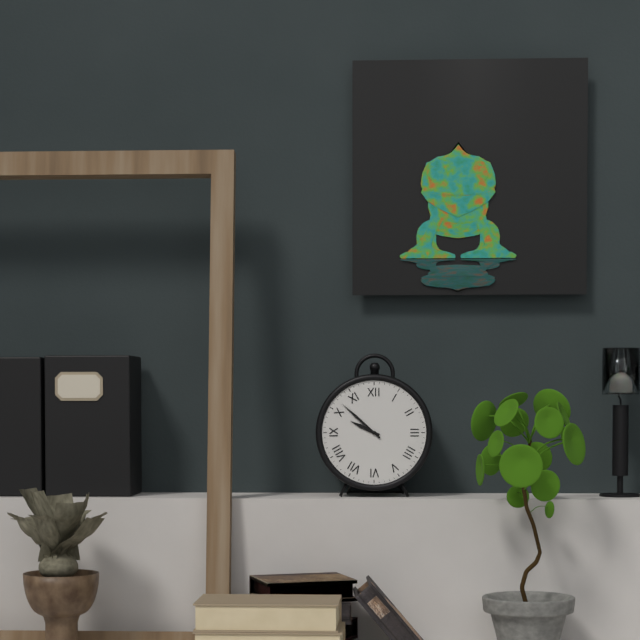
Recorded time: 9:52
